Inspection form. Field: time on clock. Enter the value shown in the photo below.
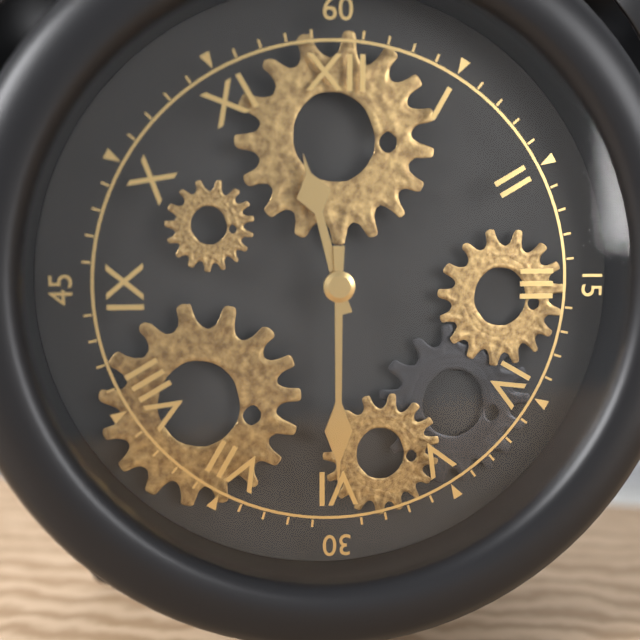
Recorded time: 11:30
